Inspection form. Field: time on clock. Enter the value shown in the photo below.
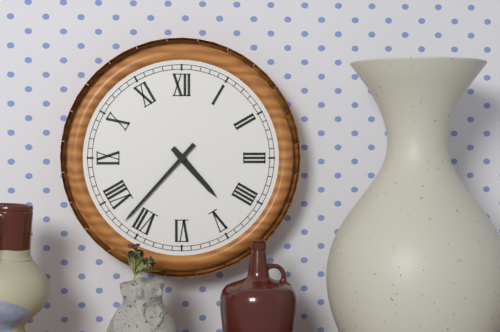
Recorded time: 4:37
